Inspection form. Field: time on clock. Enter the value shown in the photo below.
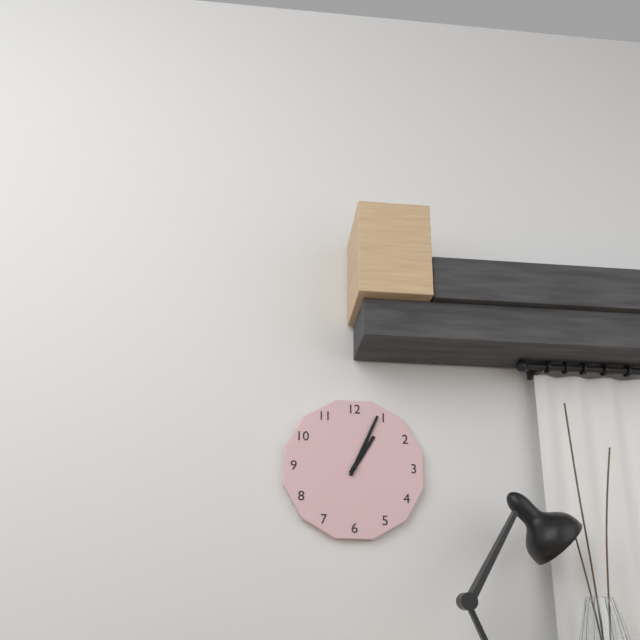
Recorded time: 1:04
